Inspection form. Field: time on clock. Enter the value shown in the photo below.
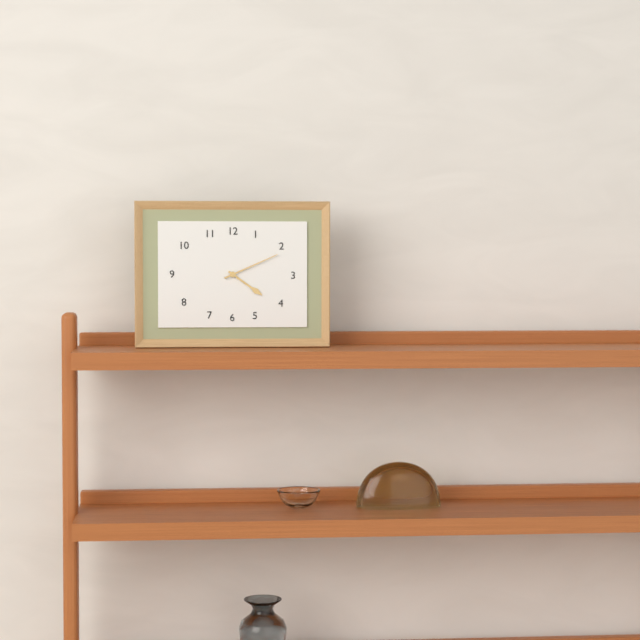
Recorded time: 4:11
